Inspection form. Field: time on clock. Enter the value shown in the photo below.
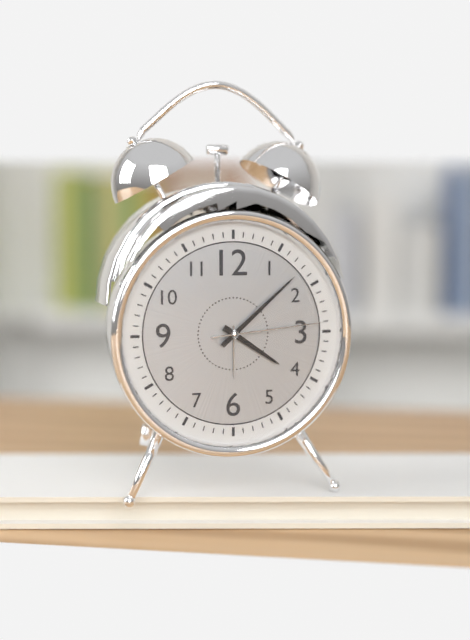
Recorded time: 4:08:14
